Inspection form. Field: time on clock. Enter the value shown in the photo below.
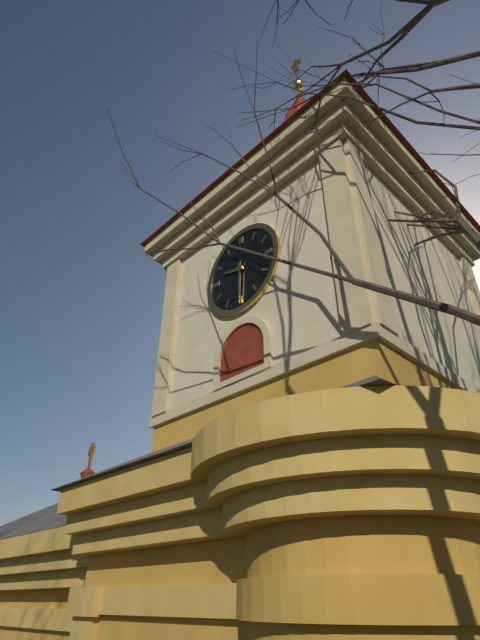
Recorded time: 9:30
